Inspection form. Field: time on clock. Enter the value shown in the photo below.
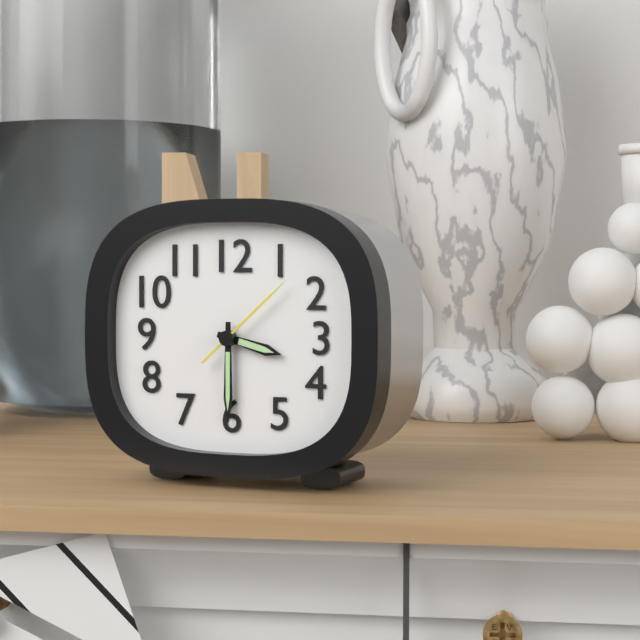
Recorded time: 3:30:08
